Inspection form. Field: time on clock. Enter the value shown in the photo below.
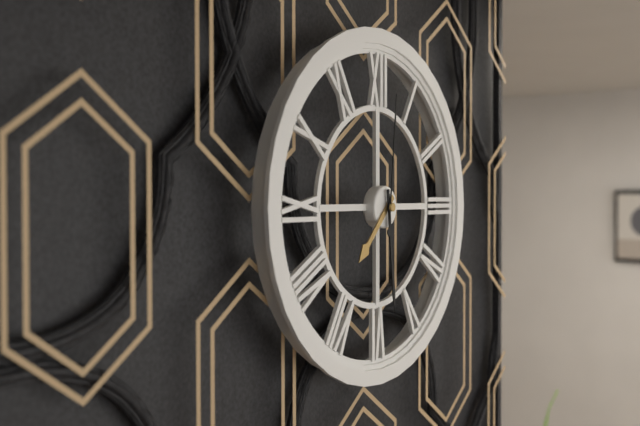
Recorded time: 7:29:01
